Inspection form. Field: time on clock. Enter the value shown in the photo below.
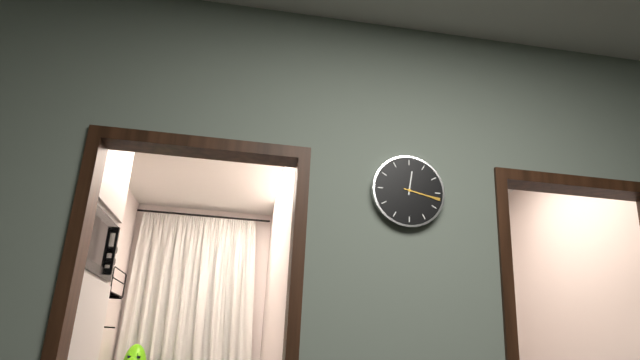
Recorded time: 12:17
